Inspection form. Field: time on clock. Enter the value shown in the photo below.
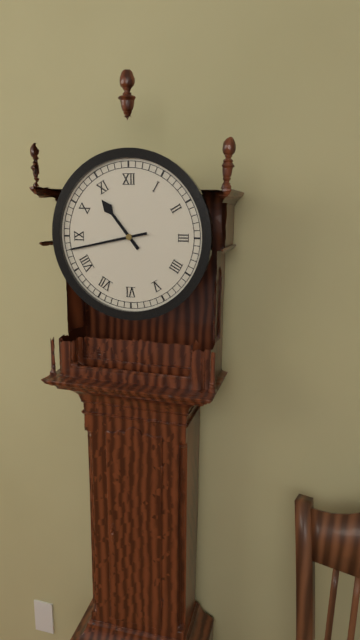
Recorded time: 10:43
